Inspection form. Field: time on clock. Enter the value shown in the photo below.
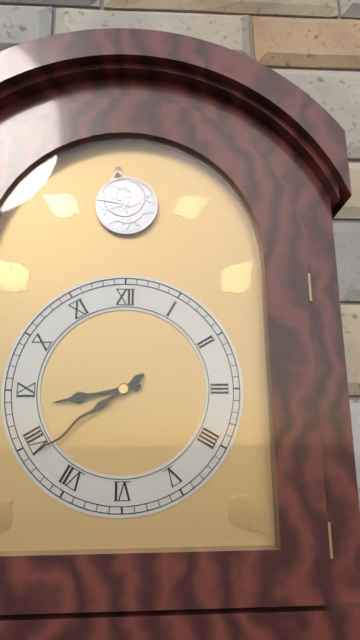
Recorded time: 8:39
